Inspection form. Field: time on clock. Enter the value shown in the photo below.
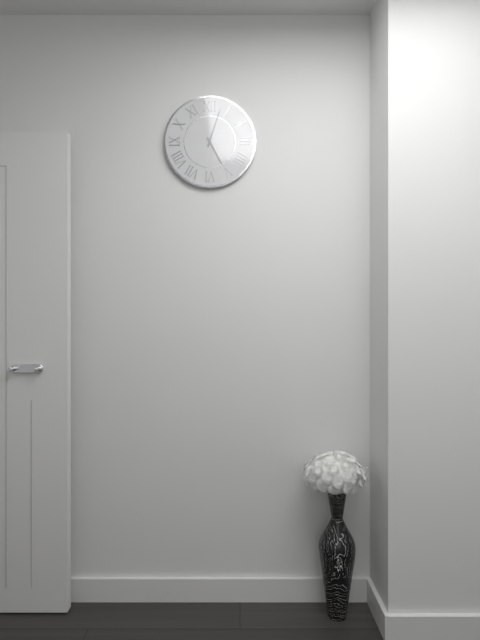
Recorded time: 5:03
